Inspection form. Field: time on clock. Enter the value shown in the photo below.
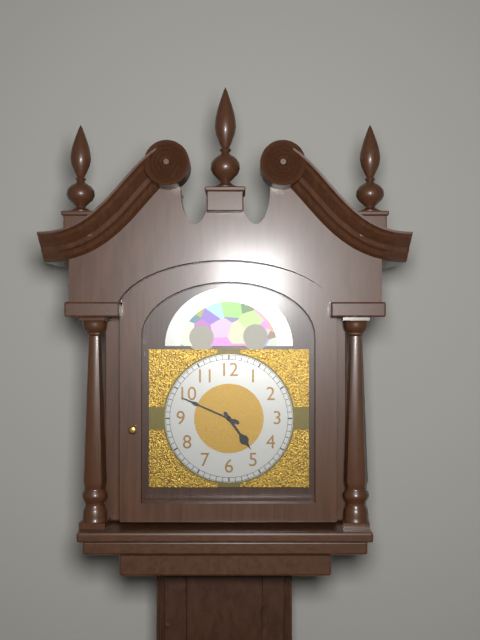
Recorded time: 4:49
